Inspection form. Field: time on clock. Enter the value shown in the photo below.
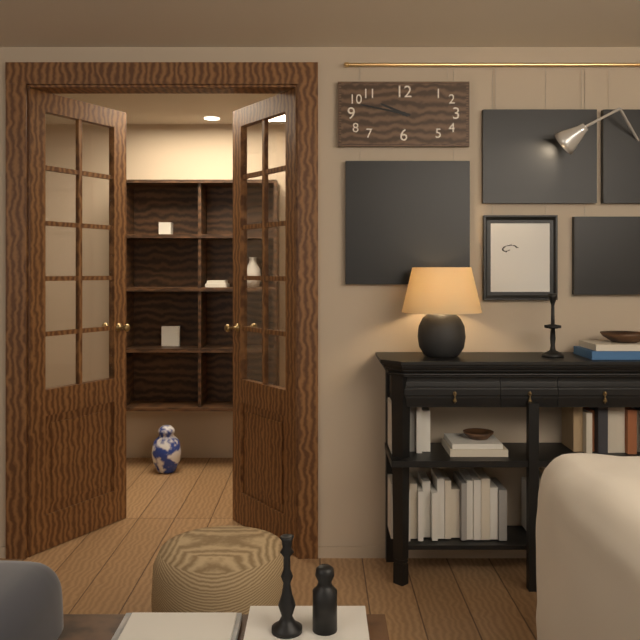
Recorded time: 9:47
